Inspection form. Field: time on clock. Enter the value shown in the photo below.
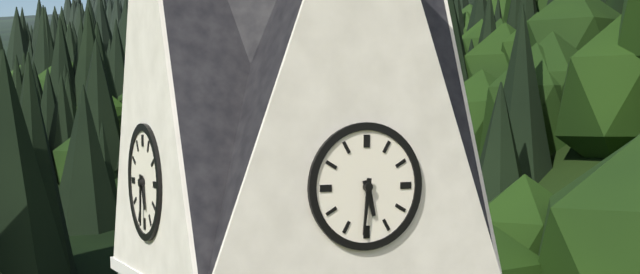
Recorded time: 5:31
